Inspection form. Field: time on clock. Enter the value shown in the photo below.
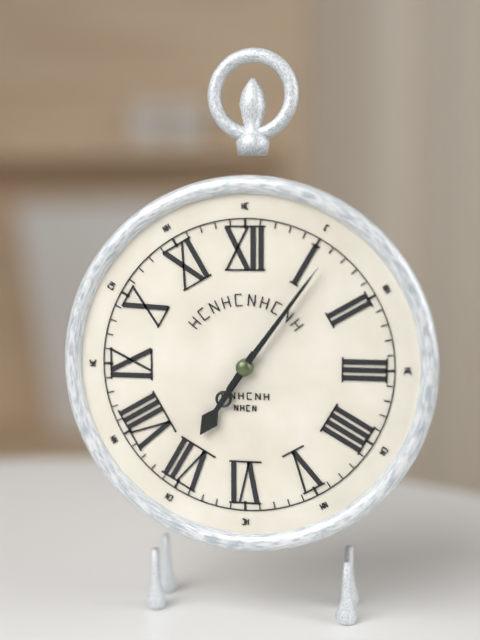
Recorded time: 7:06
